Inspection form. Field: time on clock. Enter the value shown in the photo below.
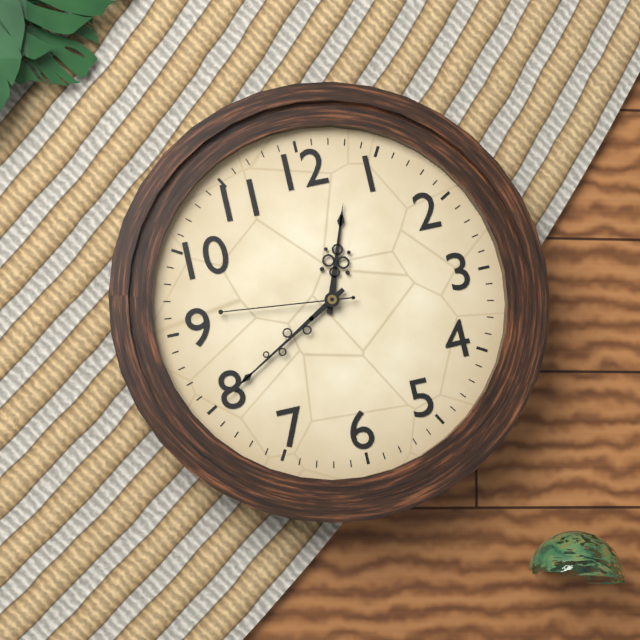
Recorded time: 12:40:46
